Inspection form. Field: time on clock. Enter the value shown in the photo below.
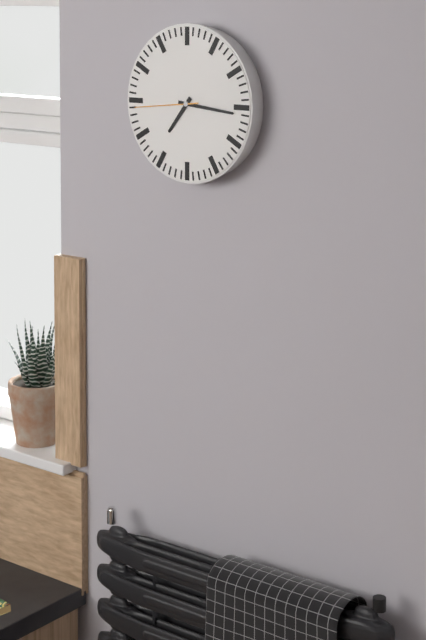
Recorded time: 7:16:44
